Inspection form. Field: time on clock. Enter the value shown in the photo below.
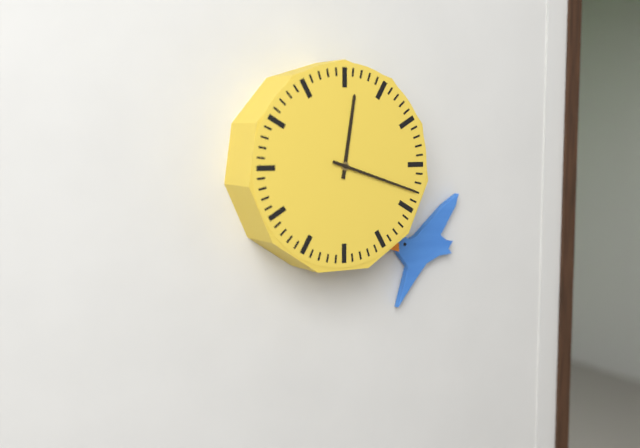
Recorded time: 12:18
